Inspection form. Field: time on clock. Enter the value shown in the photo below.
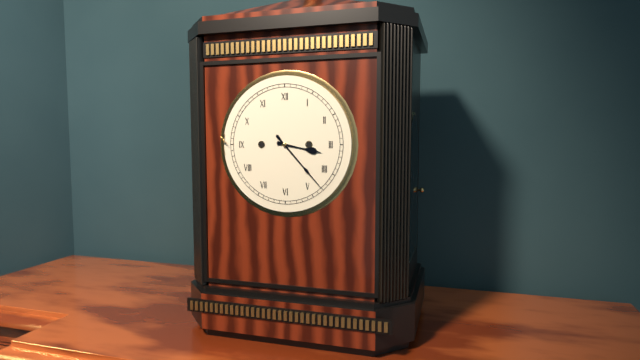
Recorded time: 3:23
